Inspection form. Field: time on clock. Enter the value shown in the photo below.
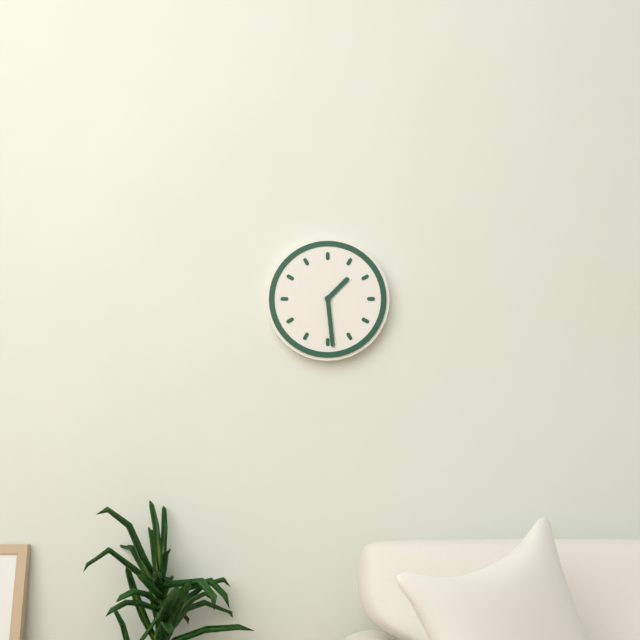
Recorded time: 1:29
